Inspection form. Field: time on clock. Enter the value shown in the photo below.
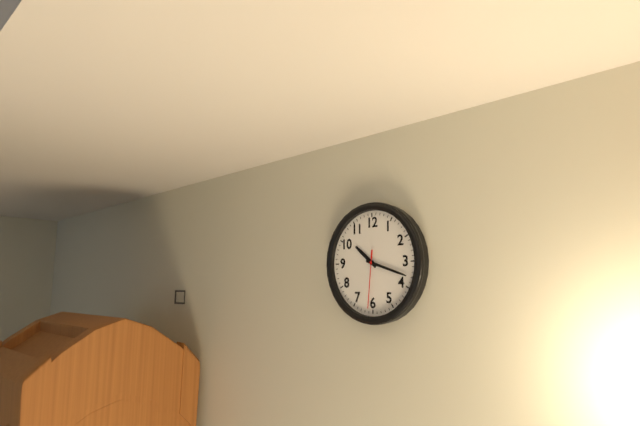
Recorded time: 10:18:31
